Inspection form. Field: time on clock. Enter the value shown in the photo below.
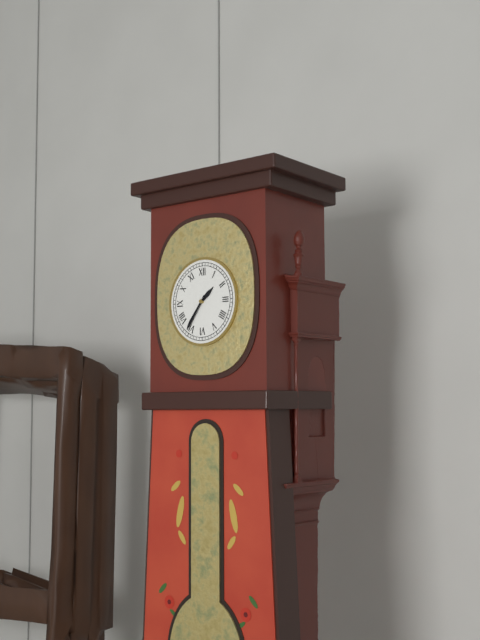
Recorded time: 1:36
